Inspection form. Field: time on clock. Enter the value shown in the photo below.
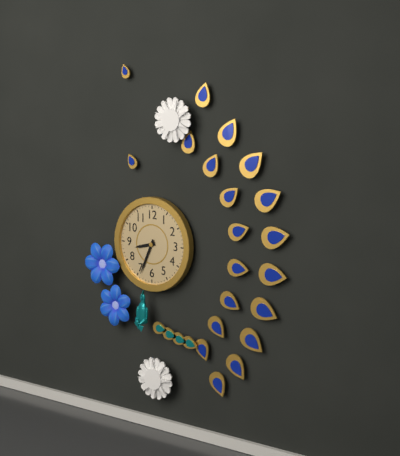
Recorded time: 8:34
